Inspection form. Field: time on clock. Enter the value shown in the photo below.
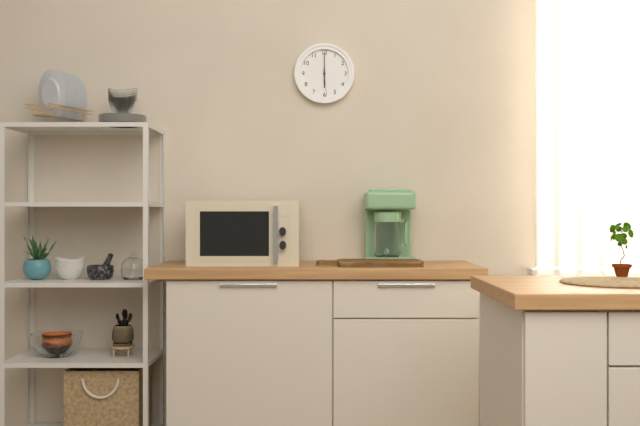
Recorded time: 6:00
